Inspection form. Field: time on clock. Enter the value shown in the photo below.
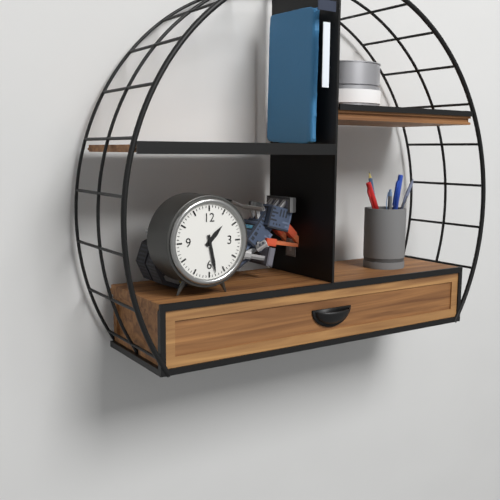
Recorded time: 1:28
